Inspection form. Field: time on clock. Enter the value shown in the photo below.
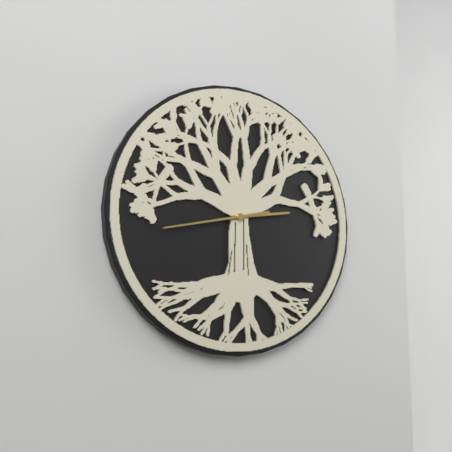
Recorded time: 2:43
